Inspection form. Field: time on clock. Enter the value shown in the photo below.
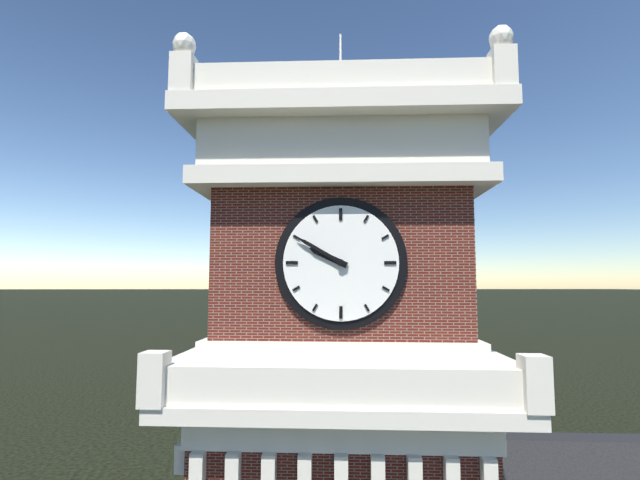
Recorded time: 9:50
